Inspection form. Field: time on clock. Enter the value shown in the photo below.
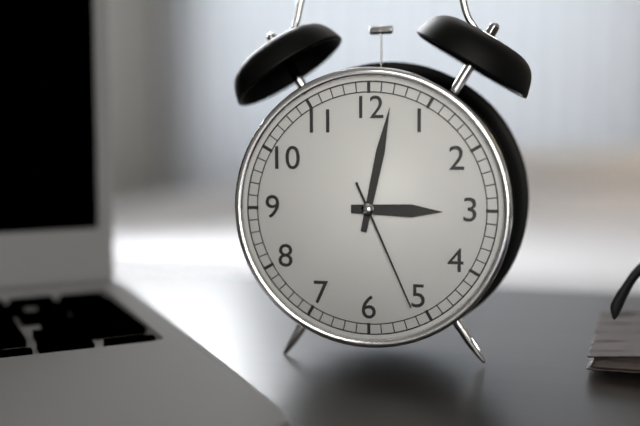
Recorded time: 3:02:26
